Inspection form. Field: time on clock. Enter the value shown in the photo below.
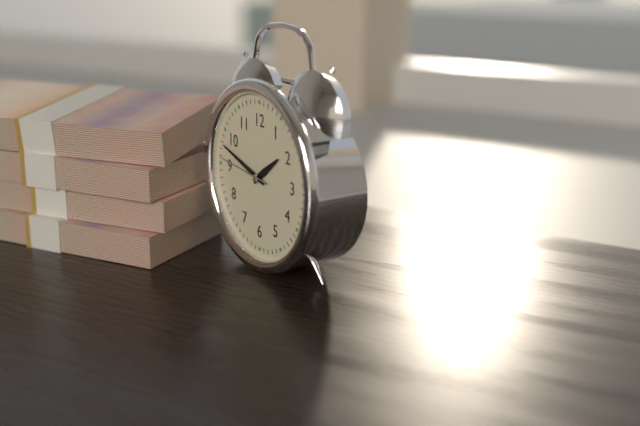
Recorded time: 1:48:46
